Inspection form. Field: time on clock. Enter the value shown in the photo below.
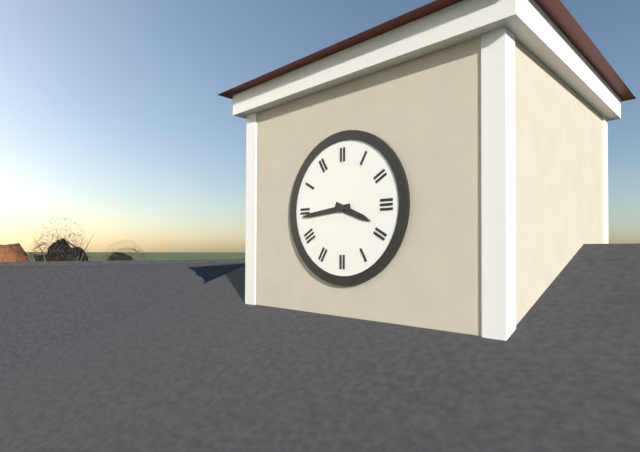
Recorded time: 3:44
